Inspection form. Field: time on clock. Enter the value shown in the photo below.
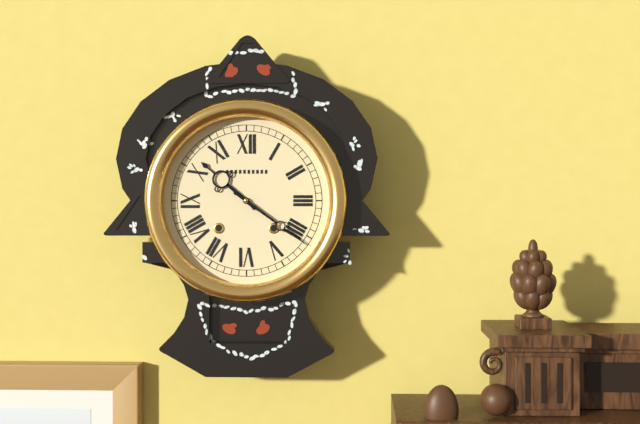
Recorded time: 10:21
